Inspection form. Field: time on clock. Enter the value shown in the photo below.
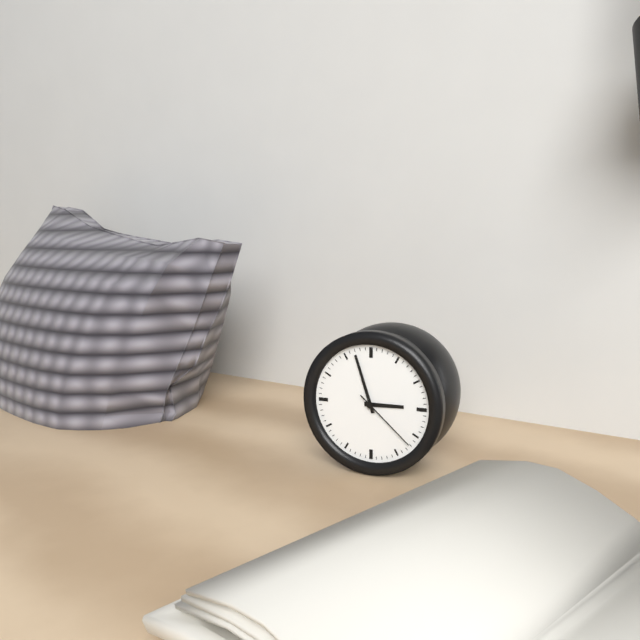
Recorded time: 2:57:22
